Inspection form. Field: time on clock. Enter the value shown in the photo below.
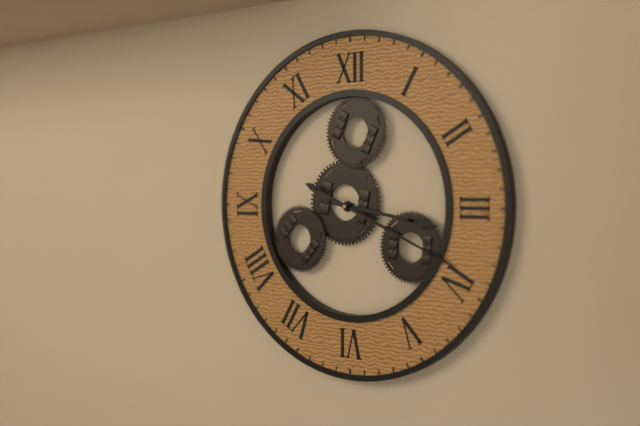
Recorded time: 3:19
